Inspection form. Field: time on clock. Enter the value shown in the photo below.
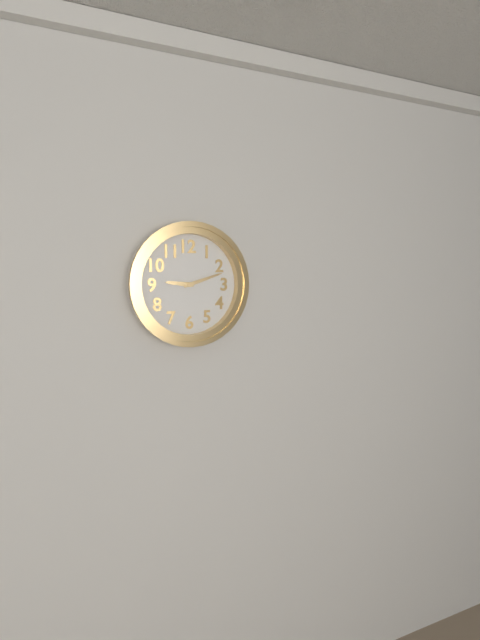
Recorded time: 9:12
